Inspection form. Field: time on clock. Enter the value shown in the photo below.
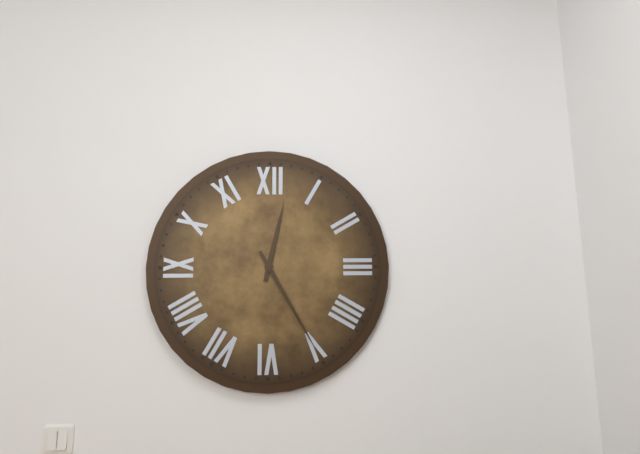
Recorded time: 12:25
